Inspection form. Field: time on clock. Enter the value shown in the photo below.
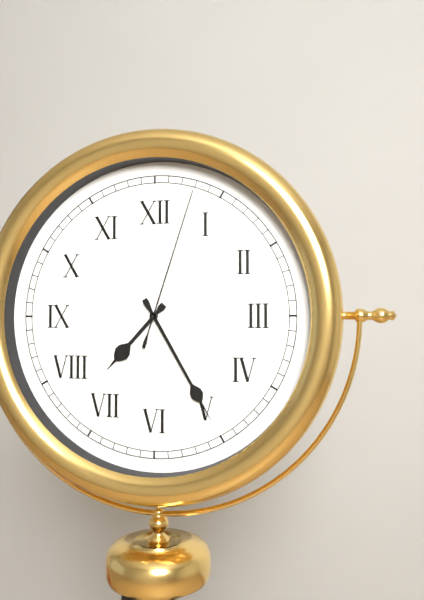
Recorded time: 7:25:03
